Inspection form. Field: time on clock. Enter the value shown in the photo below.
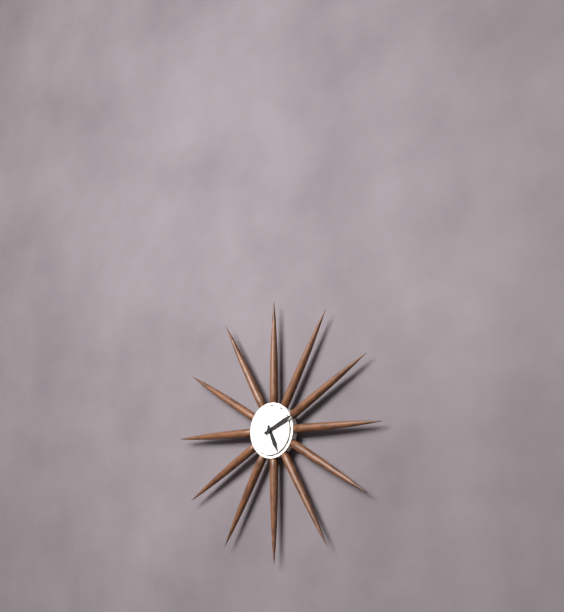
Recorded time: 5:11
